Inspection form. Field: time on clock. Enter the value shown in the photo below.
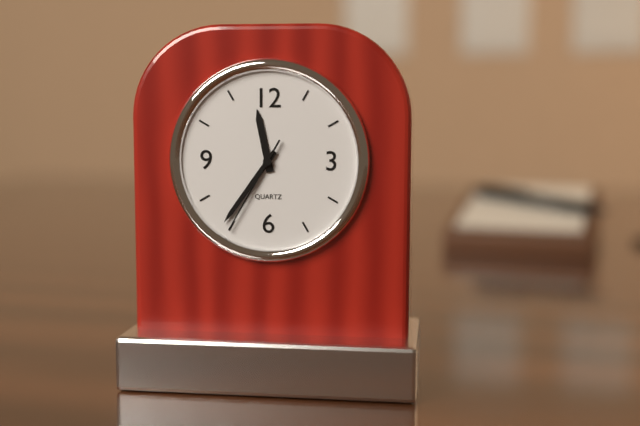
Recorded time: 11:36:35
